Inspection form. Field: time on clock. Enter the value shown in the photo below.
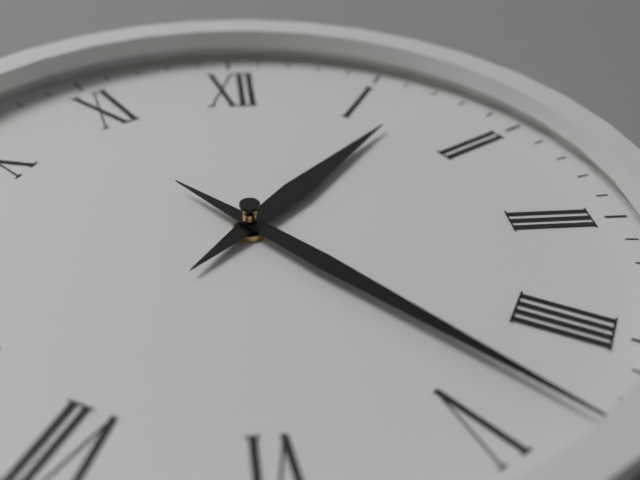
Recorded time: 1:23
